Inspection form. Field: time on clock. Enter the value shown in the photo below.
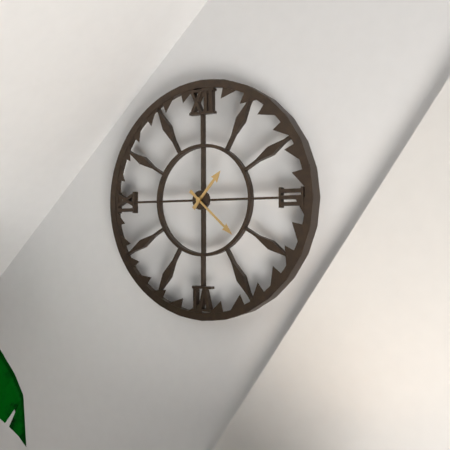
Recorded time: 1:22
